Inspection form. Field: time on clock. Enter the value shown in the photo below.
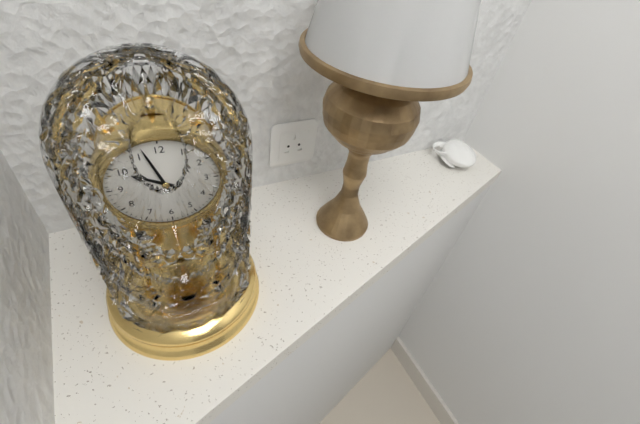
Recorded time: 9:57
